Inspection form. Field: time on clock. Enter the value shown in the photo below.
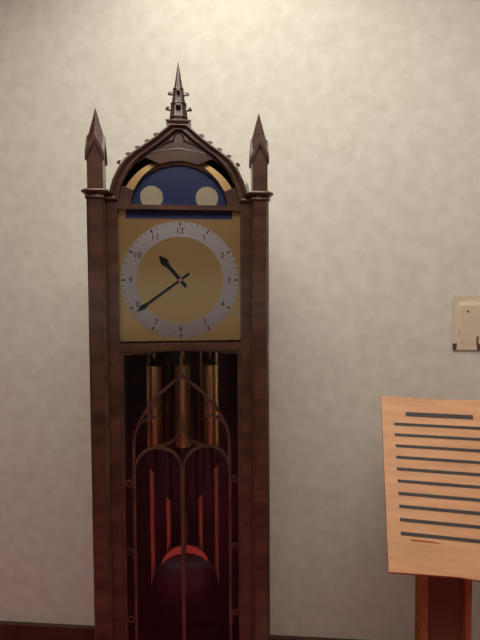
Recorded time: 10:39
